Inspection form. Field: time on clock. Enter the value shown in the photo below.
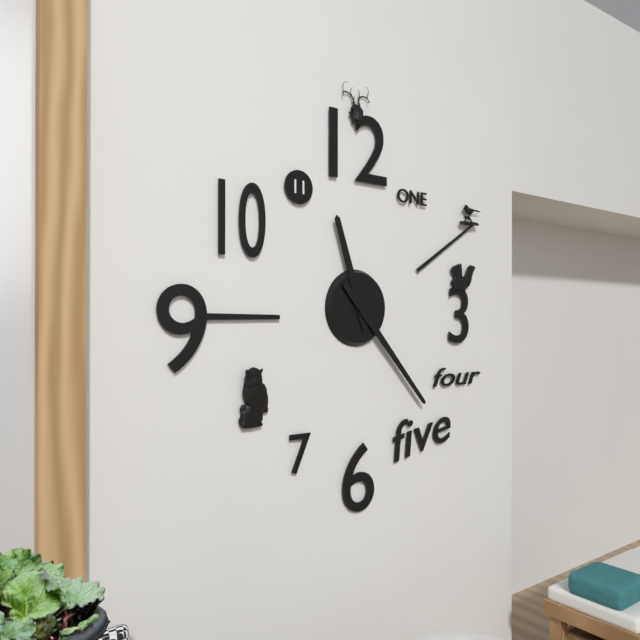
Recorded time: 11:23
